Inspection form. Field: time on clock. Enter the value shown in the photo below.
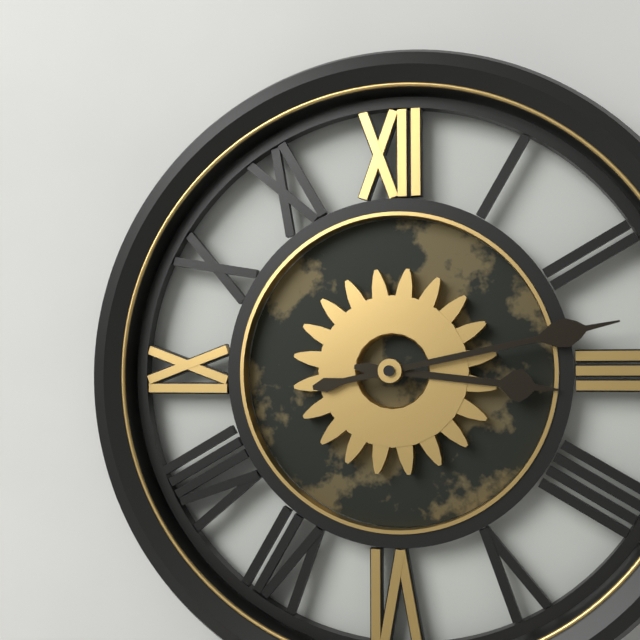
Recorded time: 3:13
